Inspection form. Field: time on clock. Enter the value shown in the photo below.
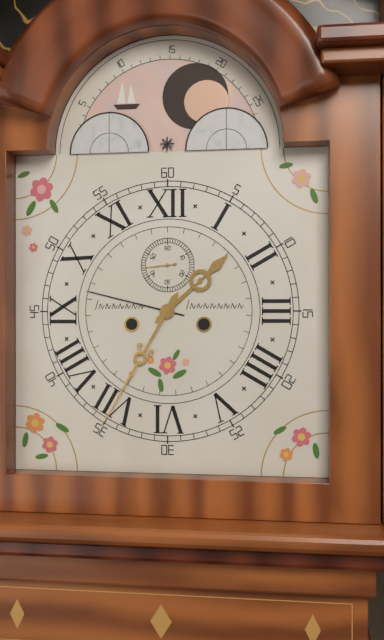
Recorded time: 1:35
